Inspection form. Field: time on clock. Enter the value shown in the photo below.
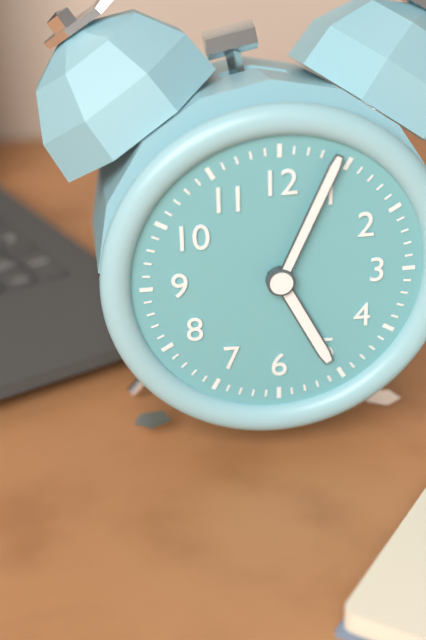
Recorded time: 5:04
